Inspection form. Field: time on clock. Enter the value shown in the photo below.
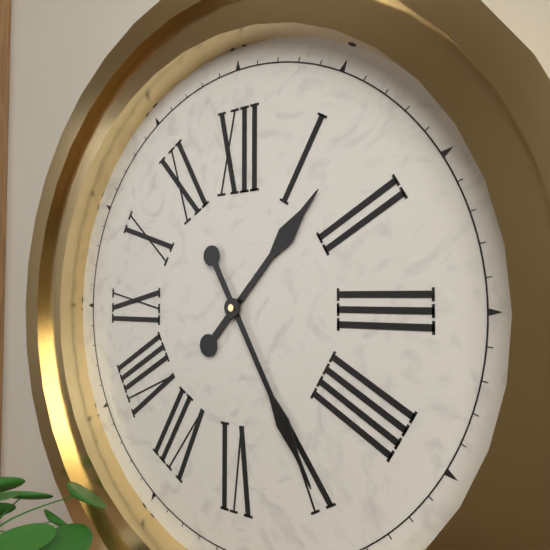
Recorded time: 1:25
